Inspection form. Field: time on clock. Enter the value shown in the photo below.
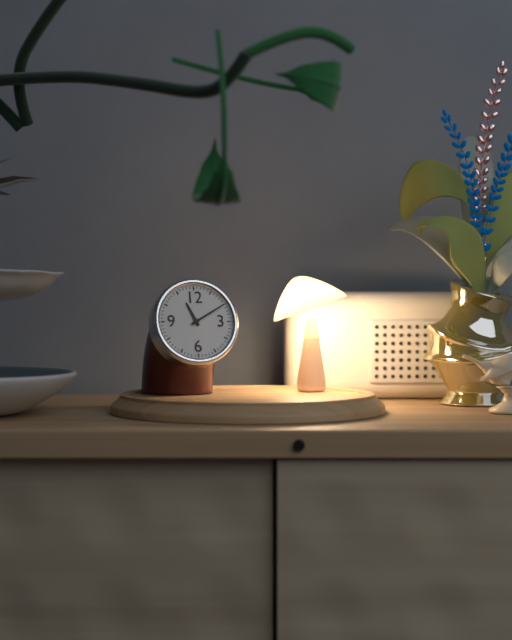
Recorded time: 11:10
